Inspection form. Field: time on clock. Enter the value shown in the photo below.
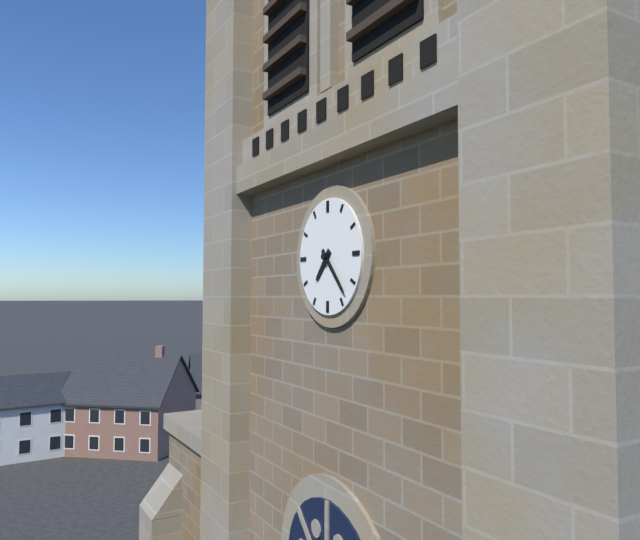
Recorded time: 7:23
